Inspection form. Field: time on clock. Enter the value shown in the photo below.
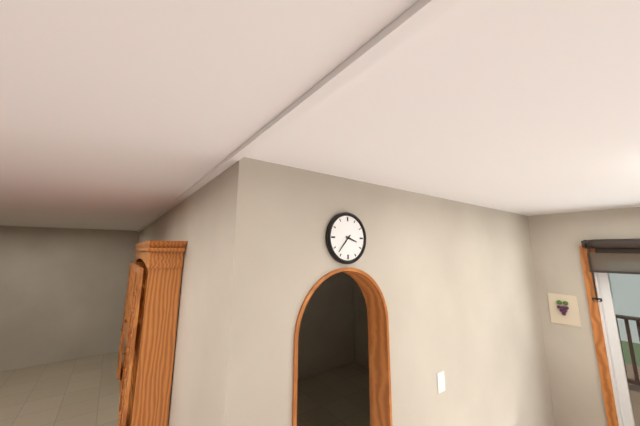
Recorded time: 3:37
